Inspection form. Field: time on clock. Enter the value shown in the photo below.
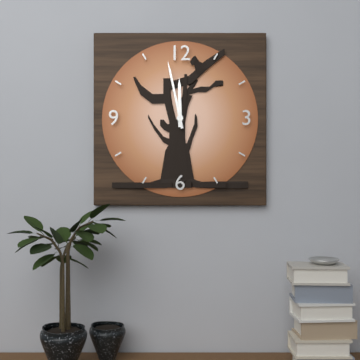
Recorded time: 11:58
